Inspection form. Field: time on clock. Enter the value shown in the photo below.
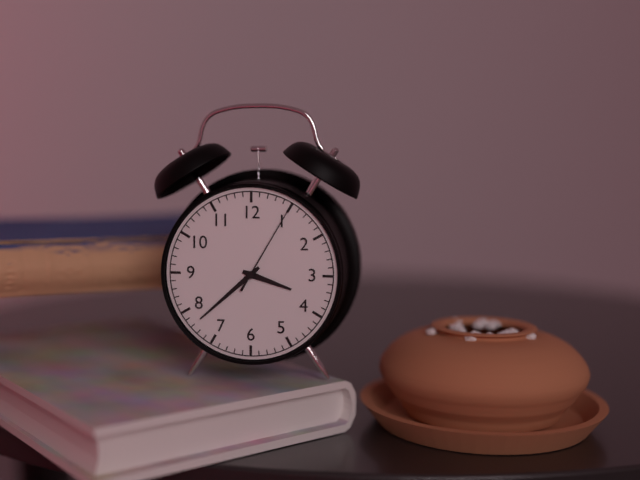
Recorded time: 3:38:05
